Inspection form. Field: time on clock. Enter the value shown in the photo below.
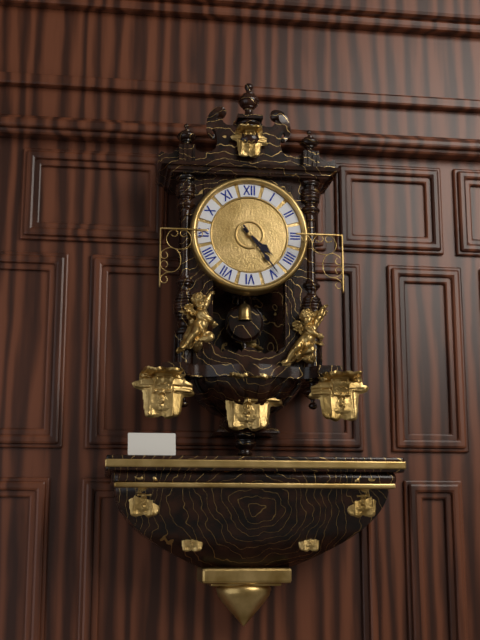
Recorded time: 4:24
